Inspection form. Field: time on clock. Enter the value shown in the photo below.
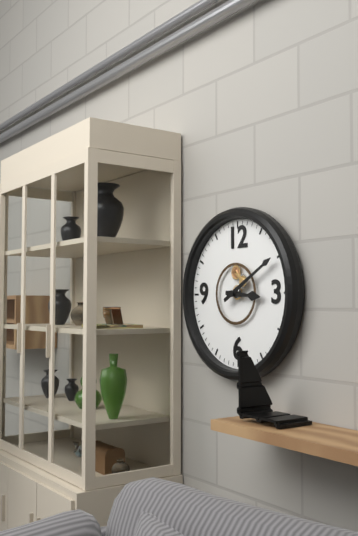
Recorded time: 3:10
